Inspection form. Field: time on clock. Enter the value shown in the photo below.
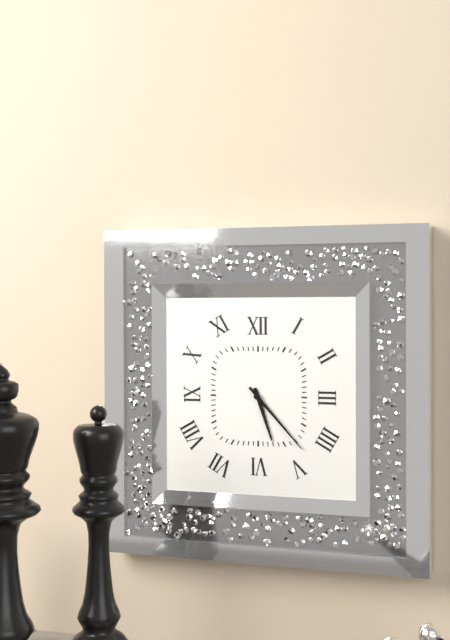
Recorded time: 5:23
